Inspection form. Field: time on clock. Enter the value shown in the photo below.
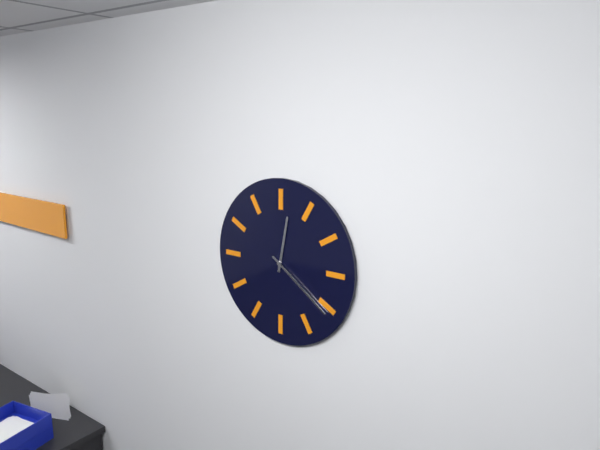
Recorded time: 12:21
